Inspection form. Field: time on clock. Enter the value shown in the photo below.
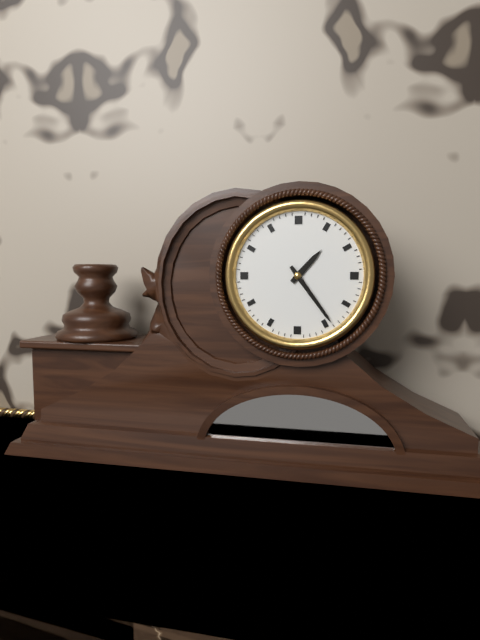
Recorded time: 1:24
